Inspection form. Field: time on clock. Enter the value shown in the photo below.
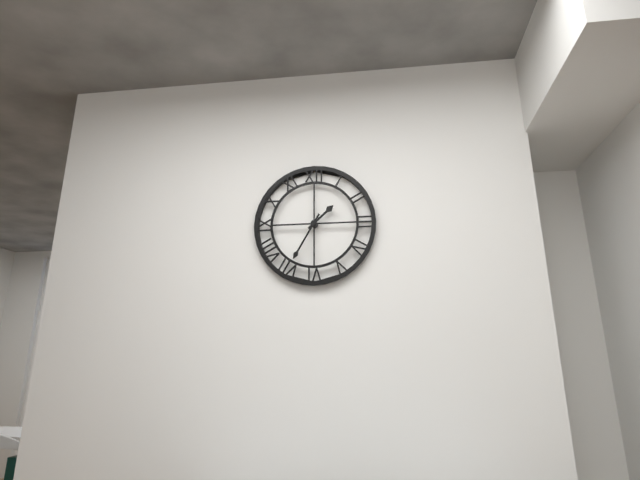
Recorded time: 1:35
